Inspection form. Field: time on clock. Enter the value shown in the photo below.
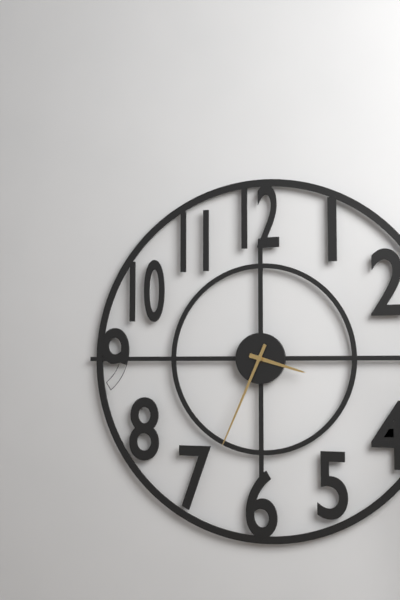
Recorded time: 3:34
